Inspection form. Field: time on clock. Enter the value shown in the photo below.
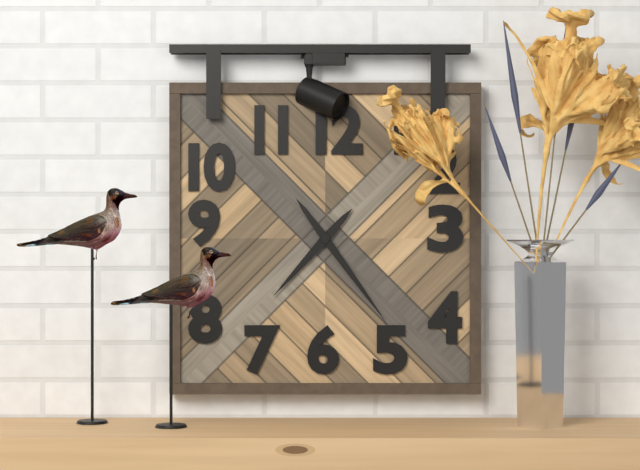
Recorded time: 7:24
